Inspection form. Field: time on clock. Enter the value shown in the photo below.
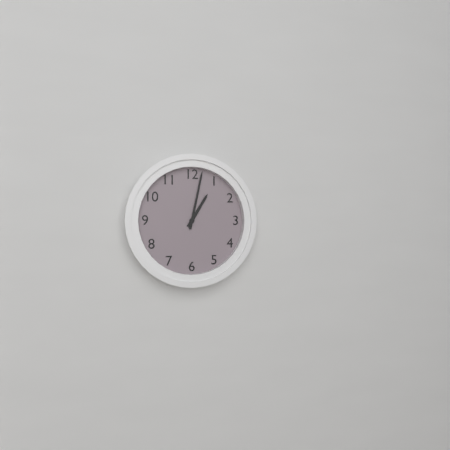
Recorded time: 1:02
